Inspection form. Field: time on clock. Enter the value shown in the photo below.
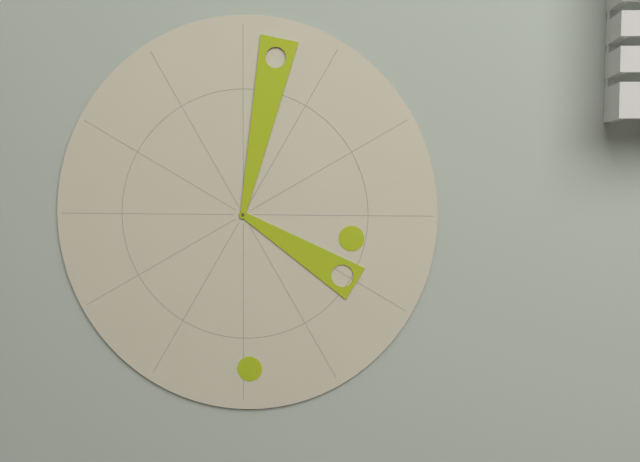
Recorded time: 4:02
